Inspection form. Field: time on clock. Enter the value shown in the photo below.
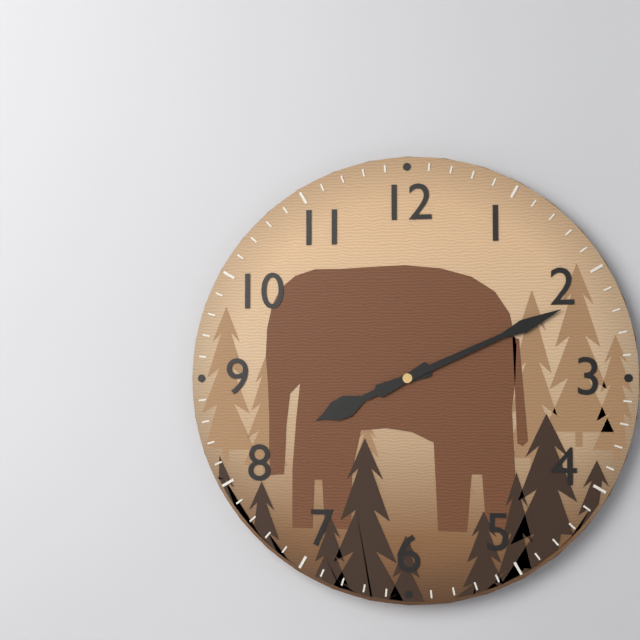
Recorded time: 8:11
